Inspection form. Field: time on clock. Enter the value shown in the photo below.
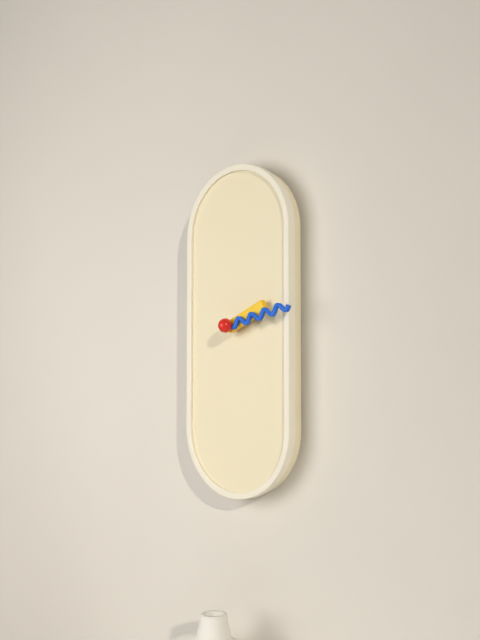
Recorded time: 2:13
